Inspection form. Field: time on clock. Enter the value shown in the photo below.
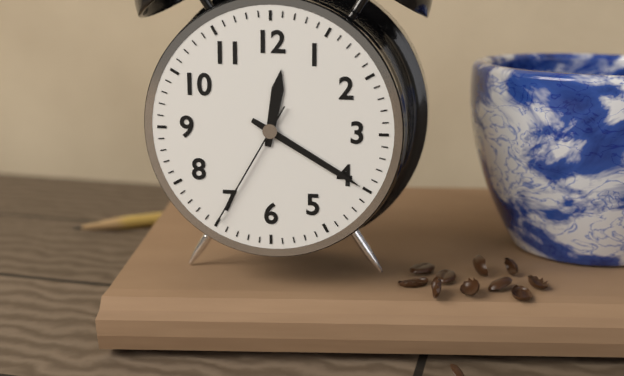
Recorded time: 12:20:35
